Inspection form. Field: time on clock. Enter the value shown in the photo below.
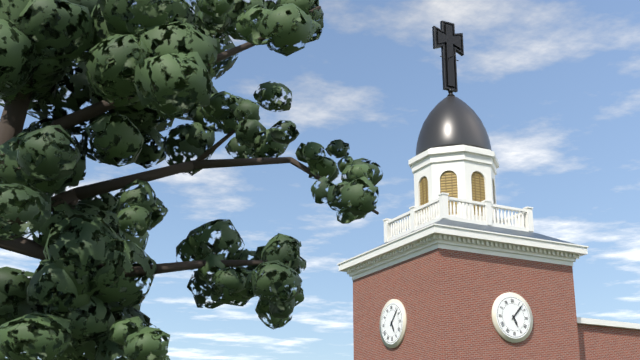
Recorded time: 5:07
